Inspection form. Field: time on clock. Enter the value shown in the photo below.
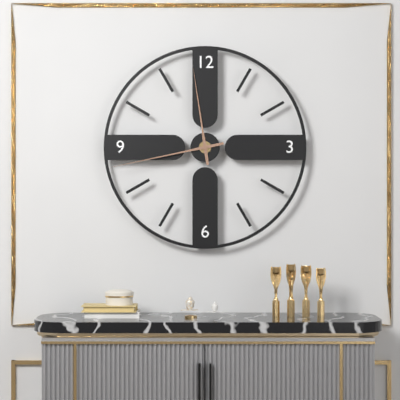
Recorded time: 11:43
